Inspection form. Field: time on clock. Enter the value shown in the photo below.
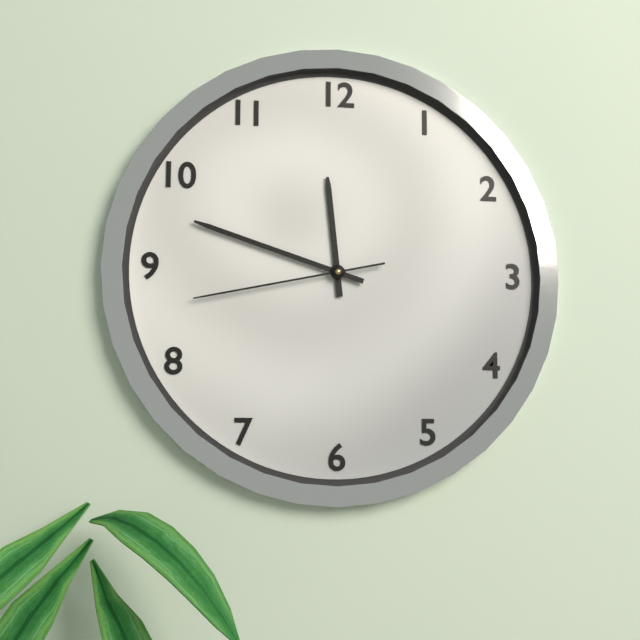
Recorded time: 11:48:43
